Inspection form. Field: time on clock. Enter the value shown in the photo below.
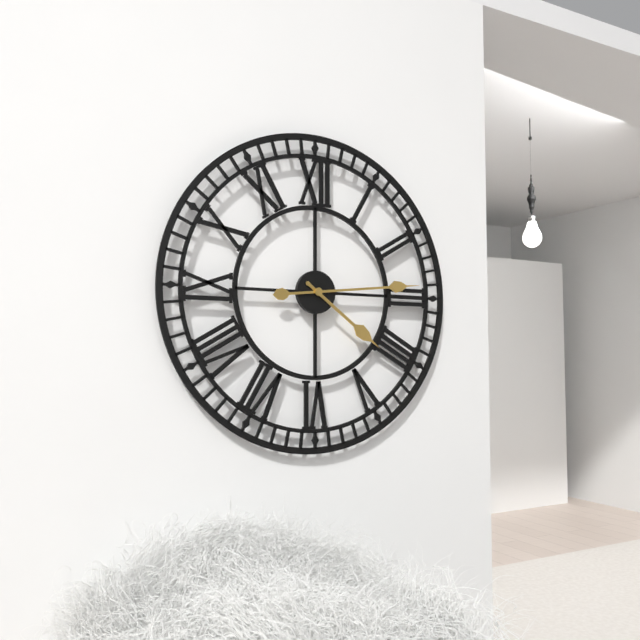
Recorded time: 4:14
